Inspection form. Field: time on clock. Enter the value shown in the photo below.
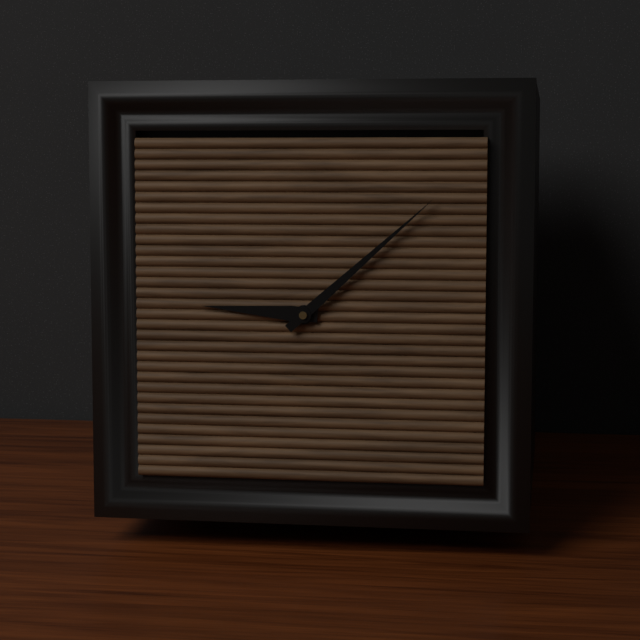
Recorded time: 9:08
